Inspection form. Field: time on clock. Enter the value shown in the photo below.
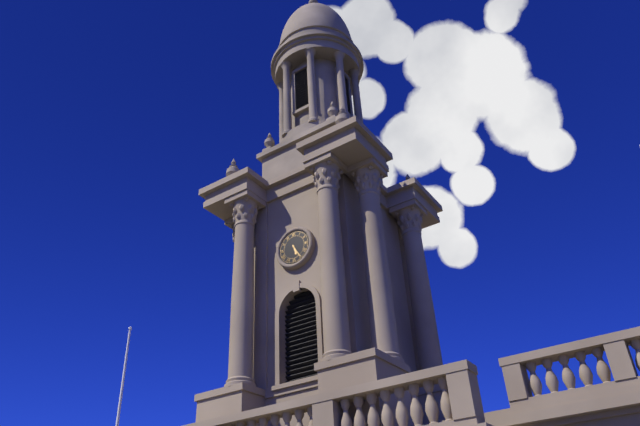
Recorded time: 5:25
